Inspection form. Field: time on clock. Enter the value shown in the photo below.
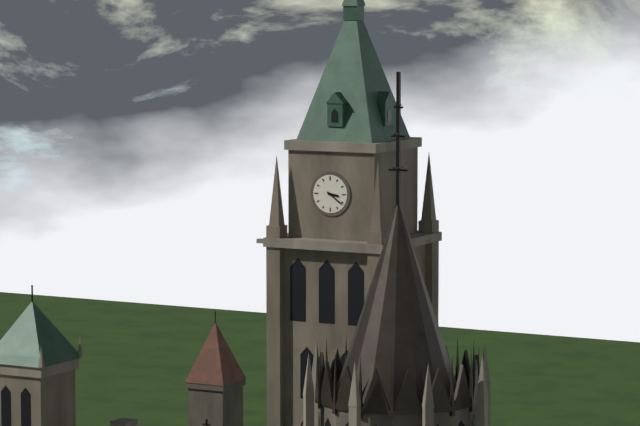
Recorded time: 3:21
